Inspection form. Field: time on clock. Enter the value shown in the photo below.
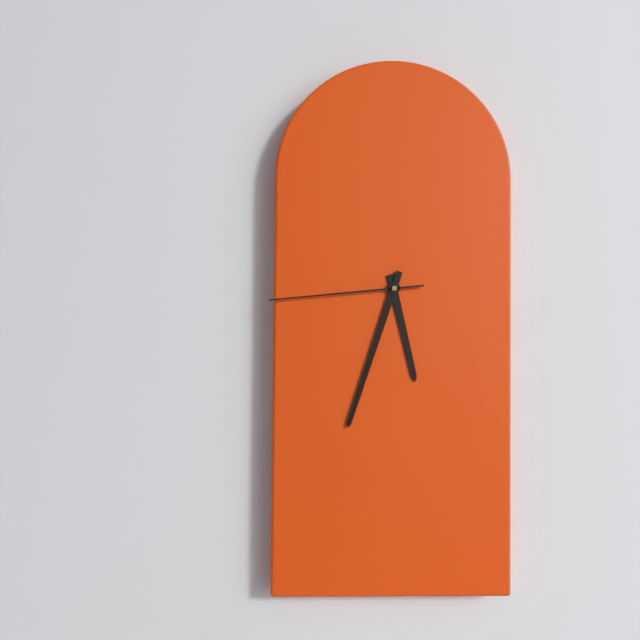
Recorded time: 5:33:44
